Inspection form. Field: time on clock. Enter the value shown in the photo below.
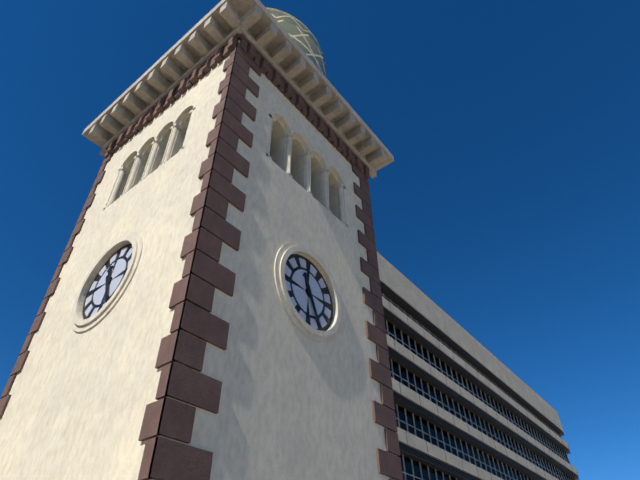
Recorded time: 11:26
